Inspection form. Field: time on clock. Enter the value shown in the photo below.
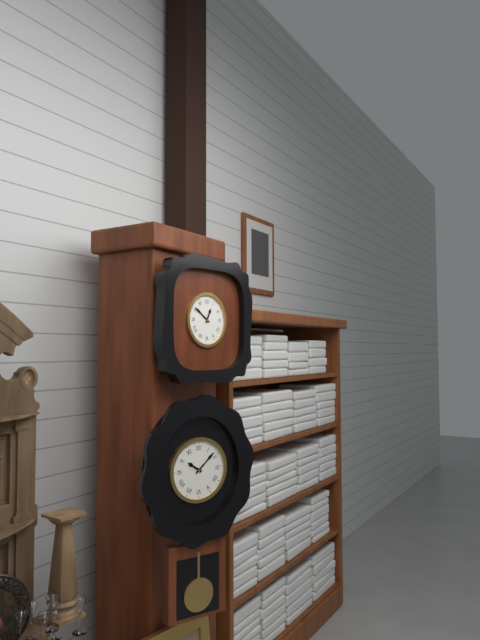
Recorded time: 12:51
